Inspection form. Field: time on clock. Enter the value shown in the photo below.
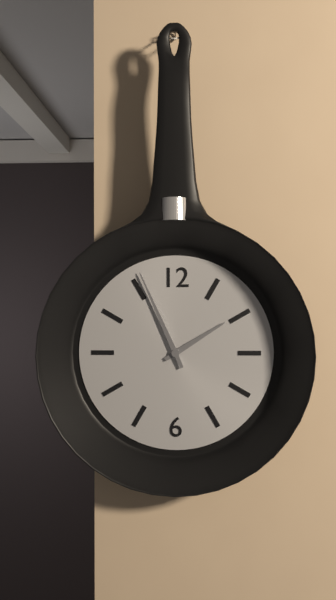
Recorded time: 1:56
